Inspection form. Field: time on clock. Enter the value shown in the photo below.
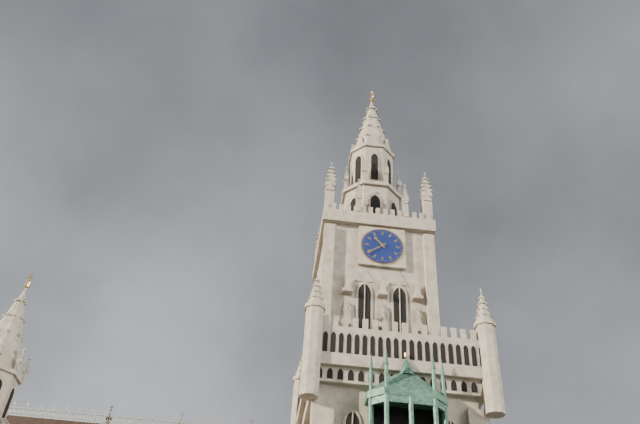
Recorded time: 10:39
